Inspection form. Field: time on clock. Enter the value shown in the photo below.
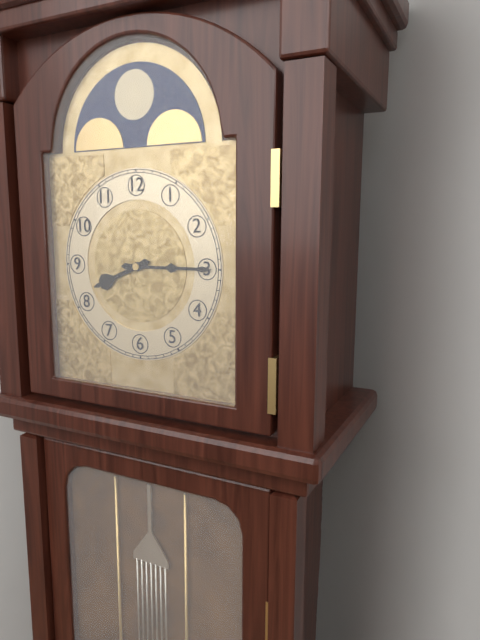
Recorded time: 8:15
